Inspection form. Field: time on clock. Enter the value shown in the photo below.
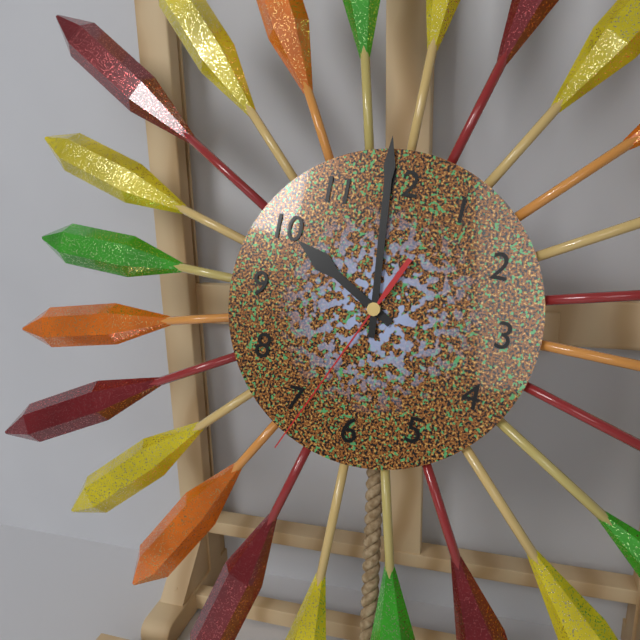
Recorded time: 9:59:34
